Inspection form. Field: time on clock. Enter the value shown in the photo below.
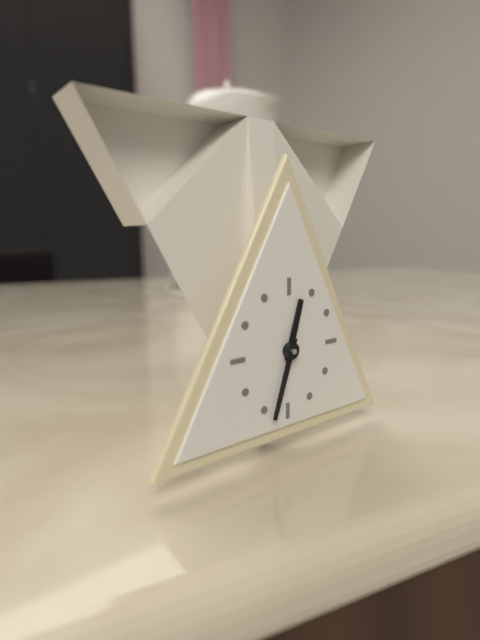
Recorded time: 12:33
